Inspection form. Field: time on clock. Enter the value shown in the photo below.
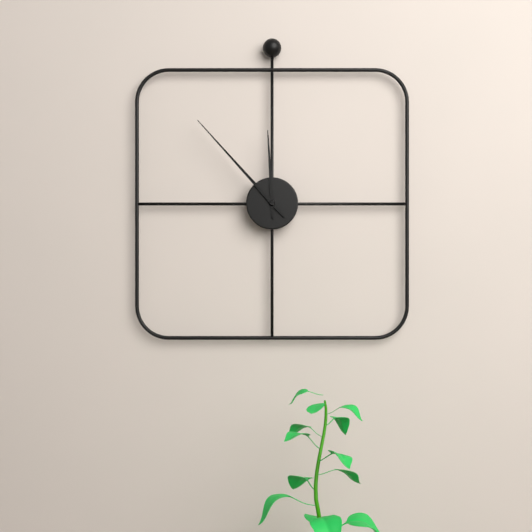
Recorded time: 11:53
